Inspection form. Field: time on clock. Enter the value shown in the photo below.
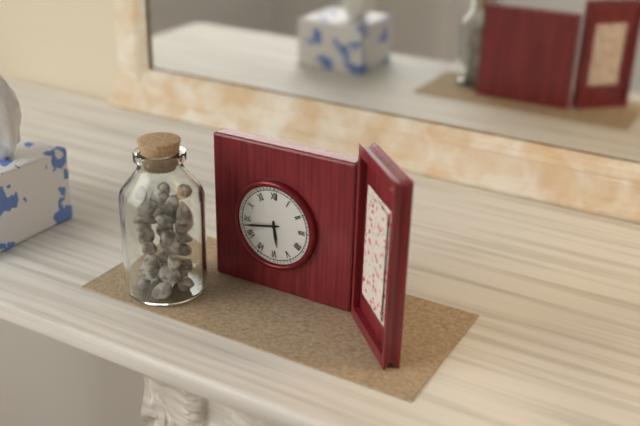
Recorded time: 5:43
